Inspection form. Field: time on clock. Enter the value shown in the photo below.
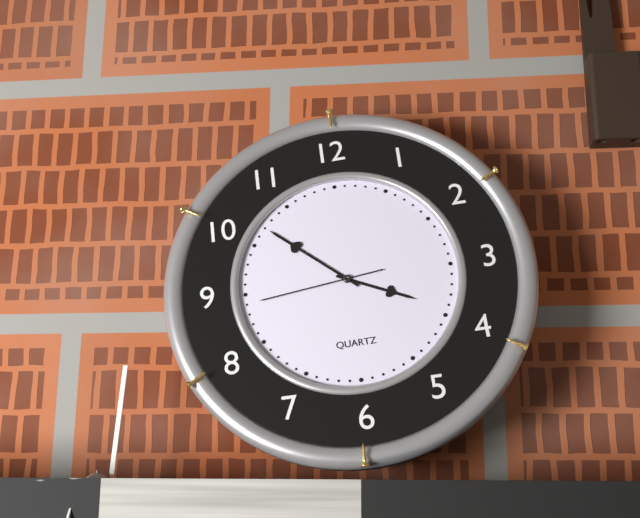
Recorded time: 3:52:44
